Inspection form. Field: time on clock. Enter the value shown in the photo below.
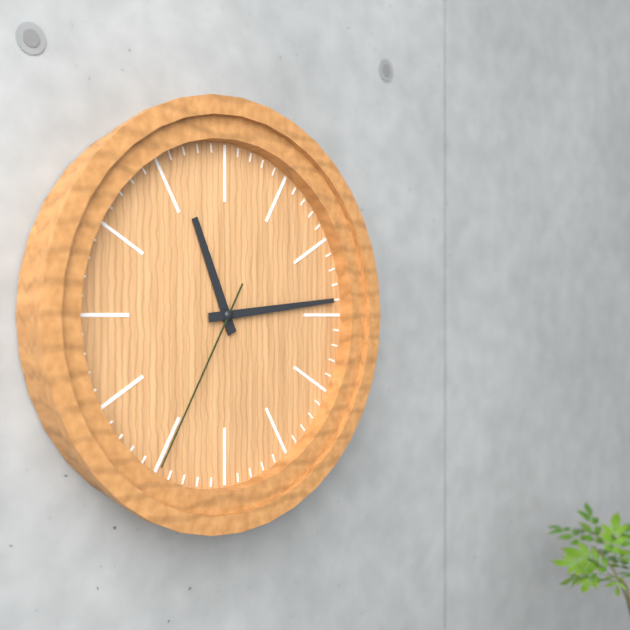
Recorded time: 11:14:35
